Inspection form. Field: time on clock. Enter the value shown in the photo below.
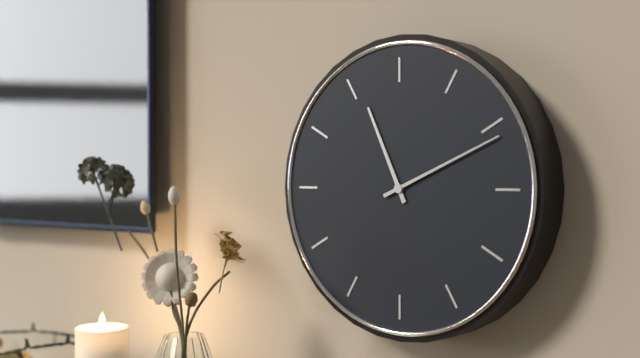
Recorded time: 11:11
